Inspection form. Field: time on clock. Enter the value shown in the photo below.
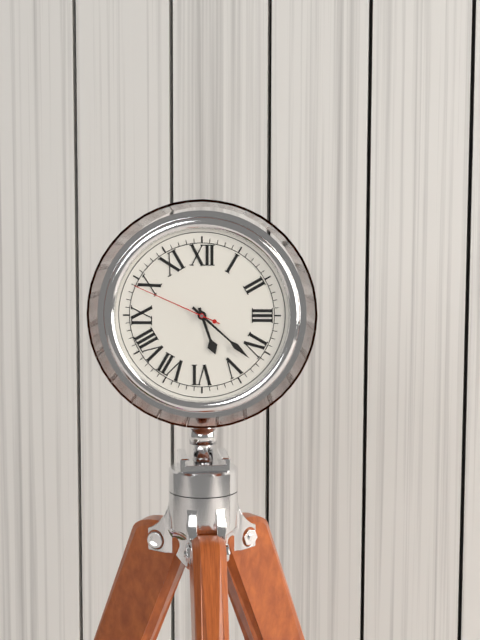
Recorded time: 5:22:49
